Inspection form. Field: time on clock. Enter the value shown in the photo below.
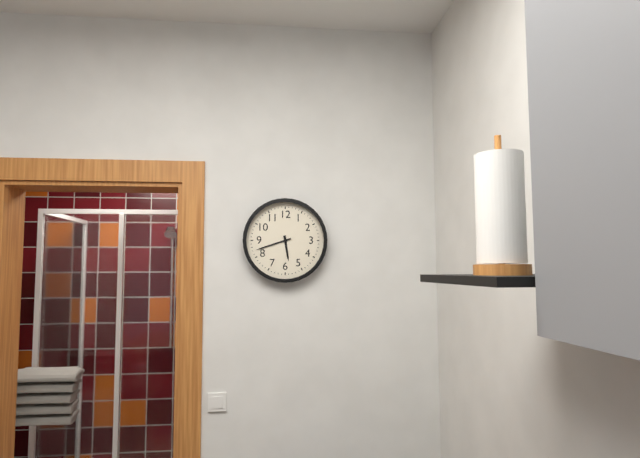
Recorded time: 5:42
